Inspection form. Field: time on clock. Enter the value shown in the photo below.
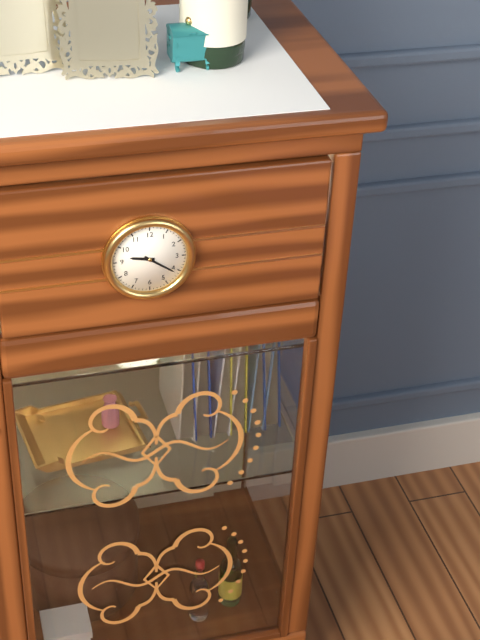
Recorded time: 9:21
